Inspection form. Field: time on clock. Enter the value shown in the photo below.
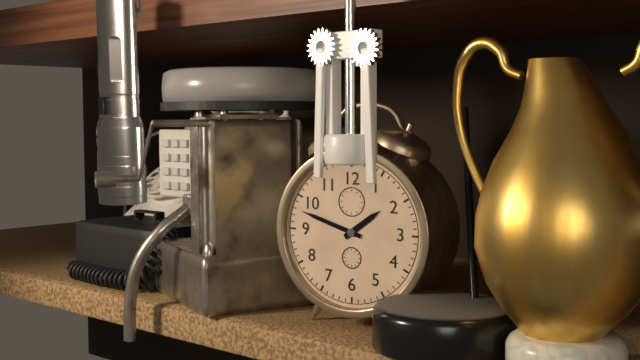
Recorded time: 1:48
